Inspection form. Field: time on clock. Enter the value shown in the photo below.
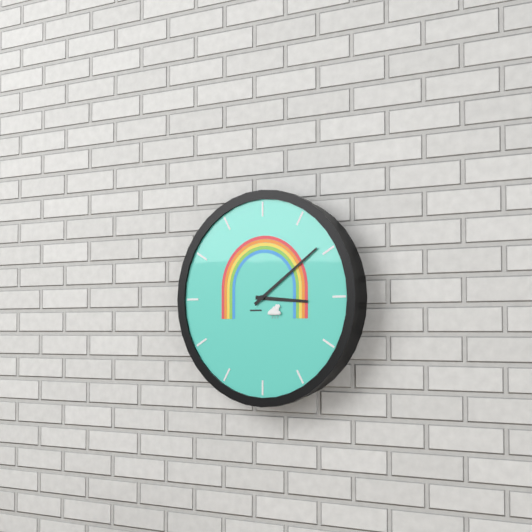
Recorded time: 3:09
